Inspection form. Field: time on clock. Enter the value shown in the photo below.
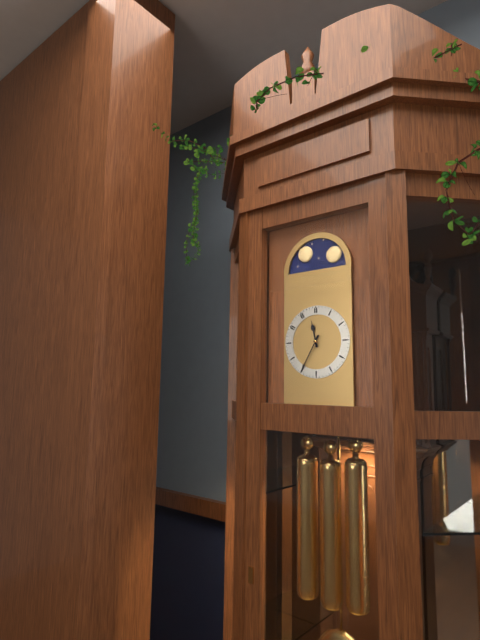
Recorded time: 11:35
